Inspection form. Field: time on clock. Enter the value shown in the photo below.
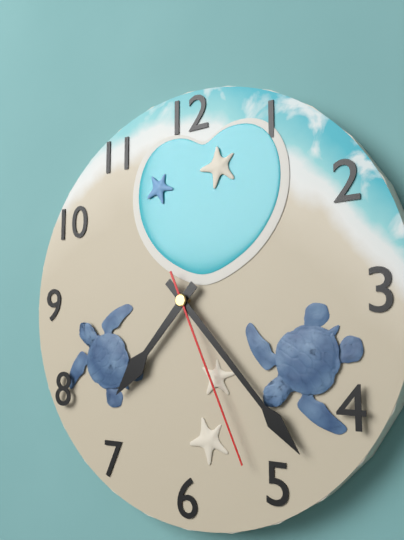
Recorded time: 7:23:26
